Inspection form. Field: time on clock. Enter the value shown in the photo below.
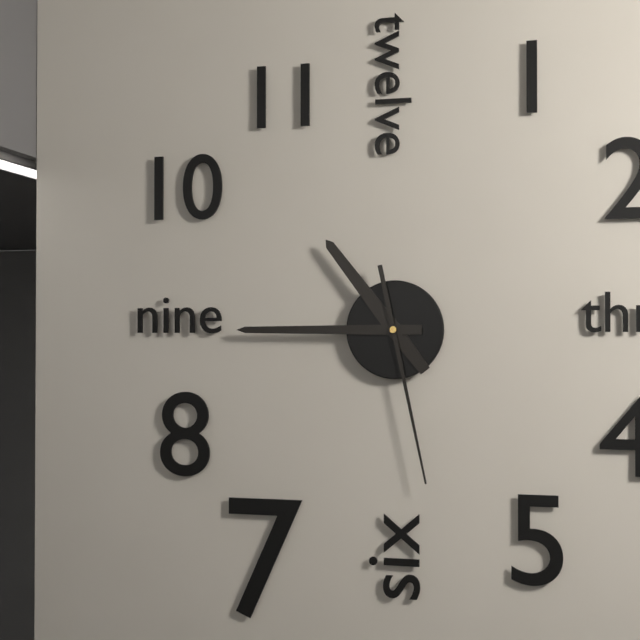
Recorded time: 10:45:28
